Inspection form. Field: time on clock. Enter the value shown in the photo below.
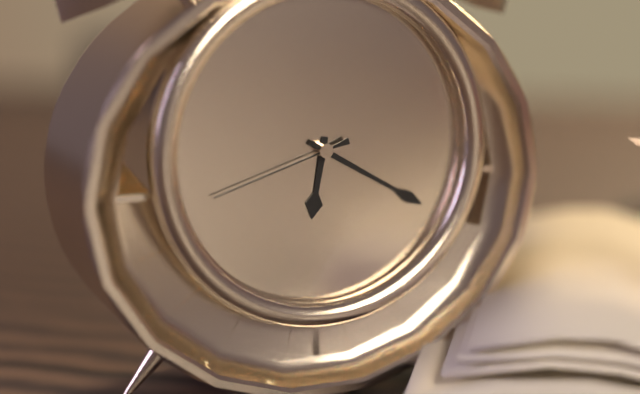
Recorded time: 6:20:42
